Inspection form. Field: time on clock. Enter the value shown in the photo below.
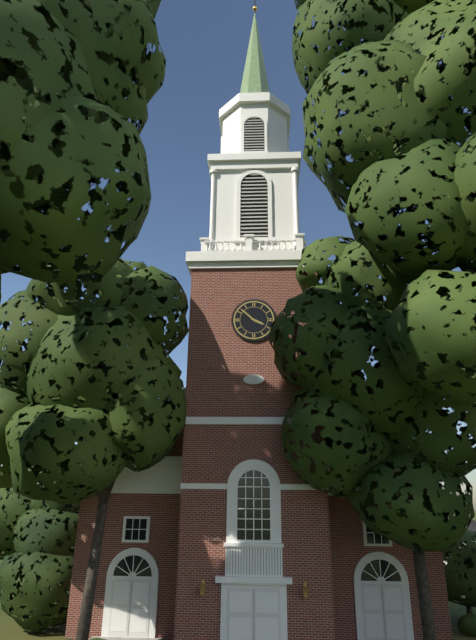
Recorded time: 3:52
